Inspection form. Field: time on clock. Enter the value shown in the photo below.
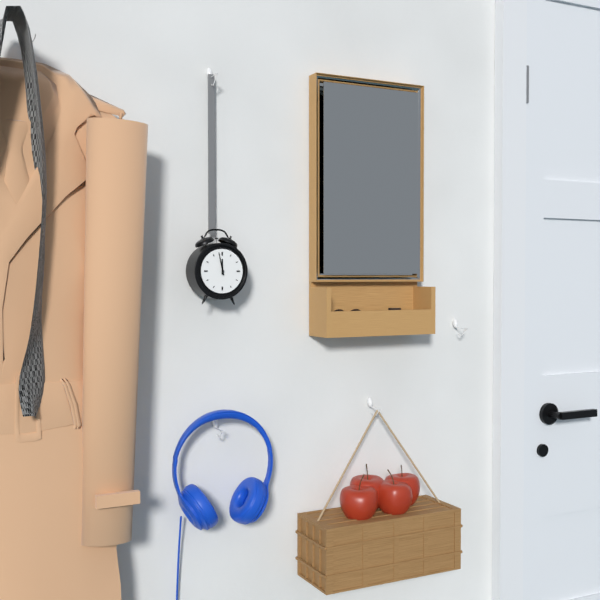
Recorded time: 11:58
